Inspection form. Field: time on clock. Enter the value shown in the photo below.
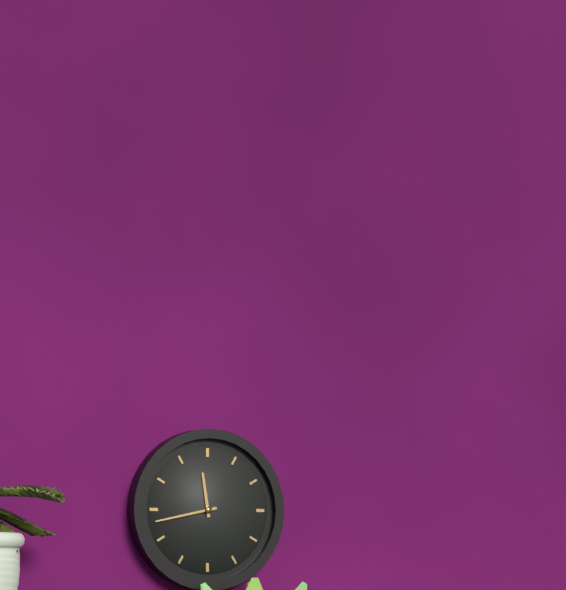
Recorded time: 11:43
